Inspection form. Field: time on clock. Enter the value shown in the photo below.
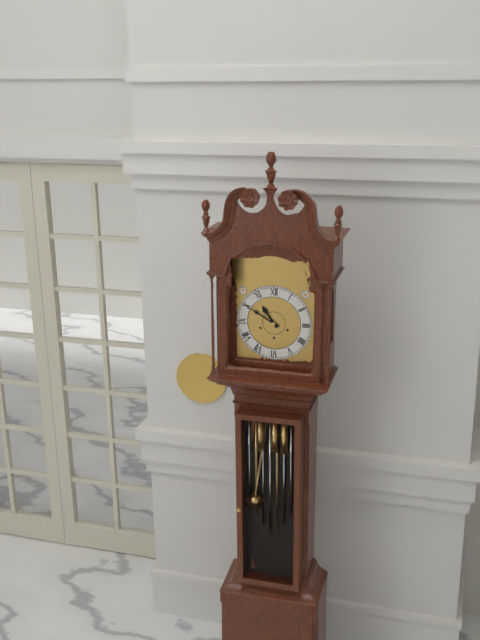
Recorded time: 10:50
